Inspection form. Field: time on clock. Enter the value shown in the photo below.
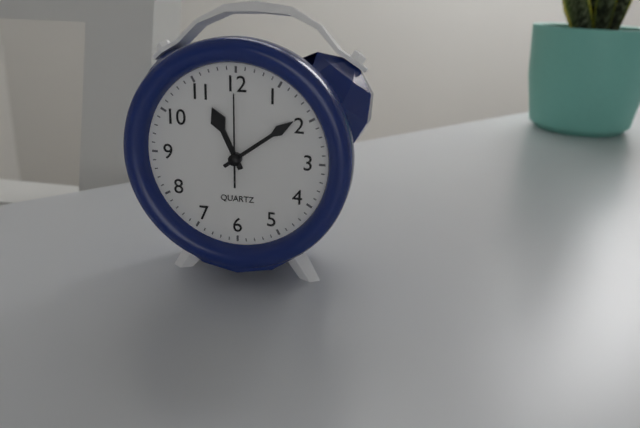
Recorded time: 11:09:00
